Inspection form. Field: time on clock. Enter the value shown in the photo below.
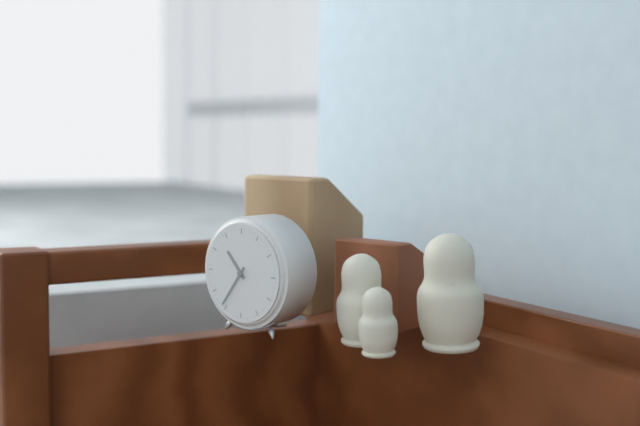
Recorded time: 10:36
